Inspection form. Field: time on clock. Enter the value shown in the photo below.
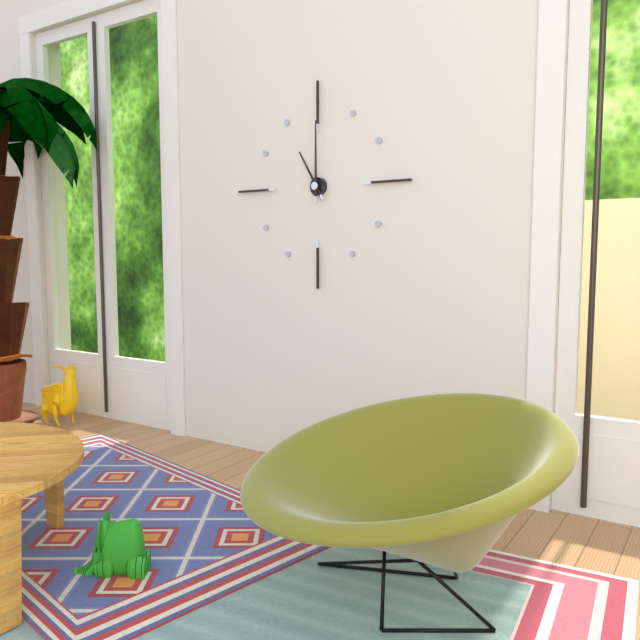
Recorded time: 11:00
